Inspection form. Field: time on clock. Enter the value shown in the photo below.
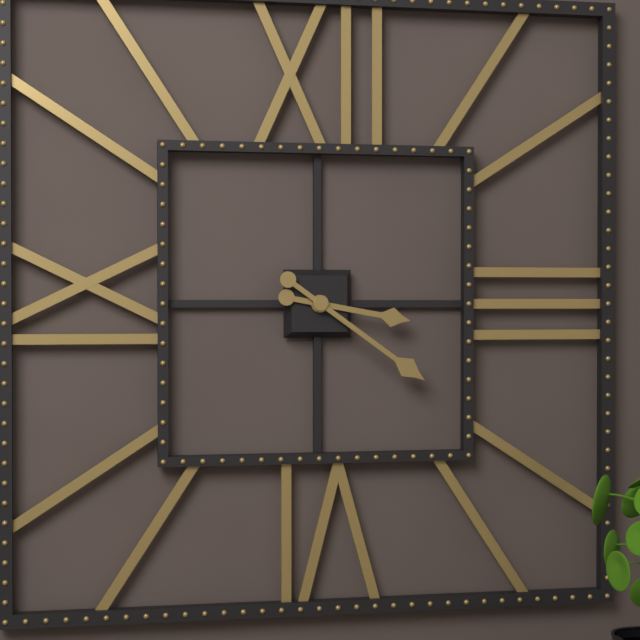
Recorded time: 3:21
